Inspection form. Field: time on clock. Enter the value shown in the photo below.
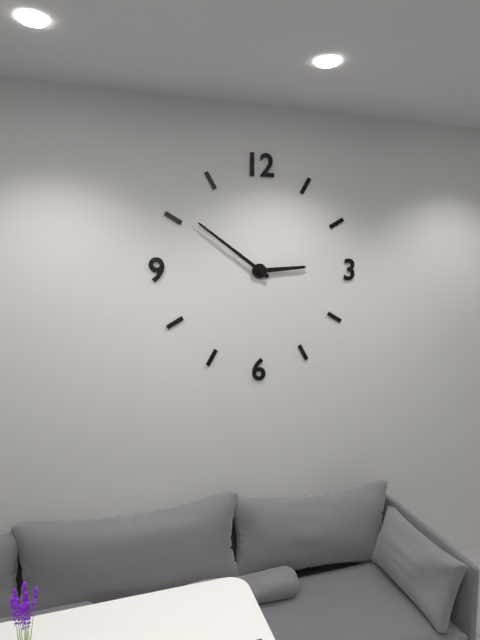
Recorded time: 2:51
